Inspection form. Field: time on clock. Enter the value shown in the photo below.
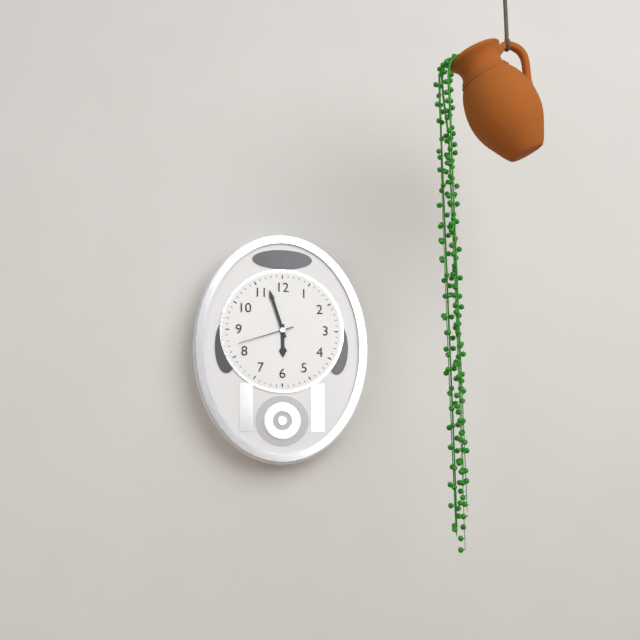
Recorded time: 5:57:42
